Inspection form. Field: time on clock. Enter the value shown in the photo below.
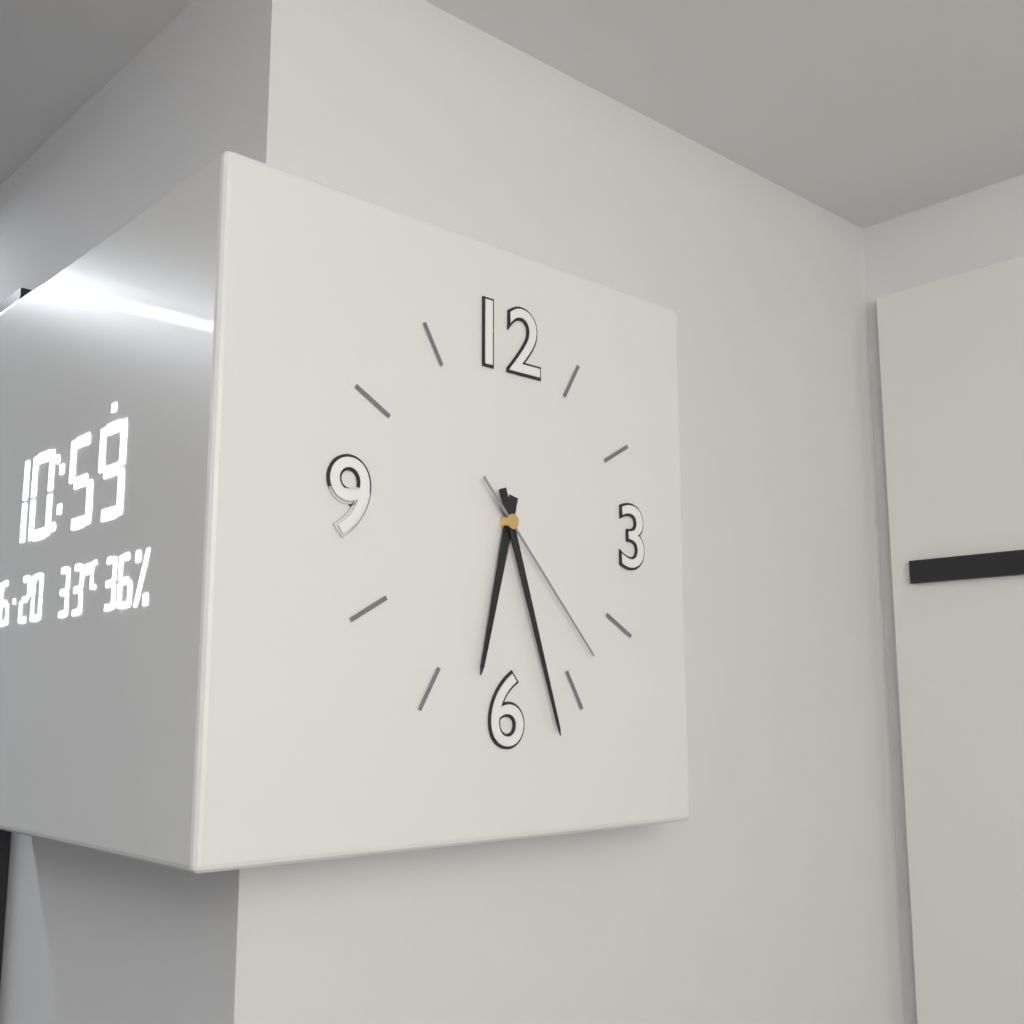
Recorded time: 6:27:23
